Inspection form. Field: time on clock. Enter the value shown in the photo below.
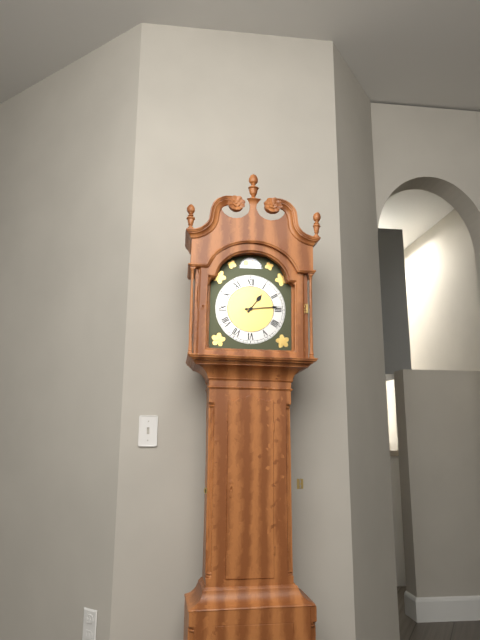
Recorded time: 1:14
